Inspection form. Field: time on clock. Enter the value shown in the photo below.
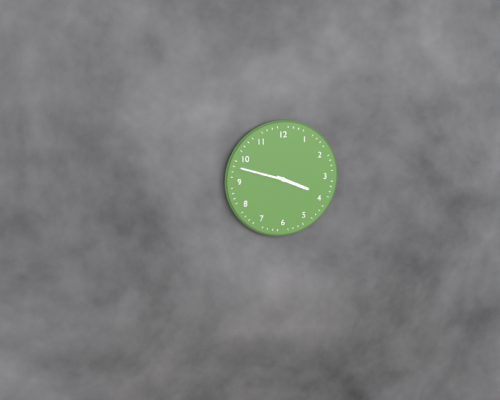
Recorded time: 3:48
